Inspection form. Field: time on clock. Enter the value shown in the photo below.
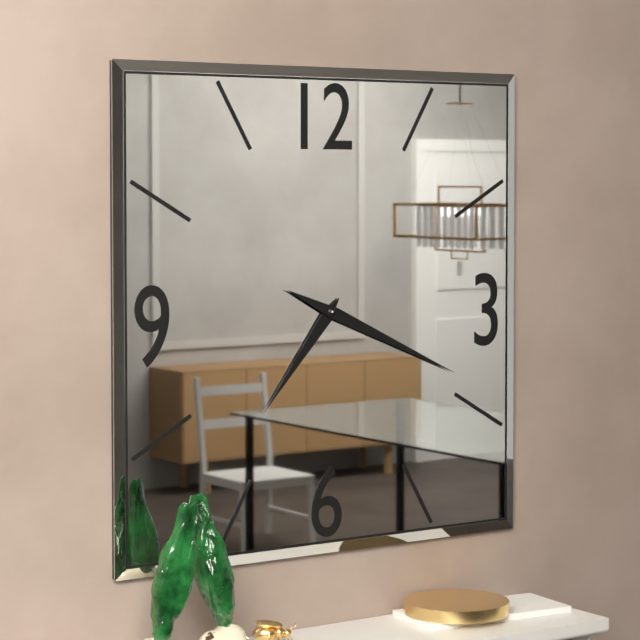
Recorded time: 7:19
